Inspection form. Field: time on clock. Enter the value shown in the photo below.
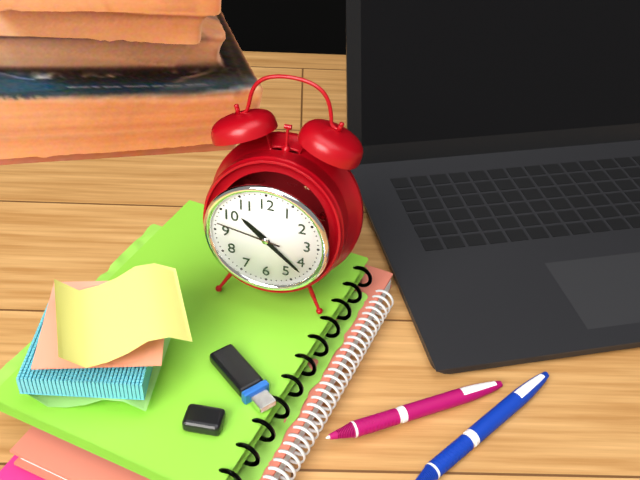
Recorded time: 10:22:47
